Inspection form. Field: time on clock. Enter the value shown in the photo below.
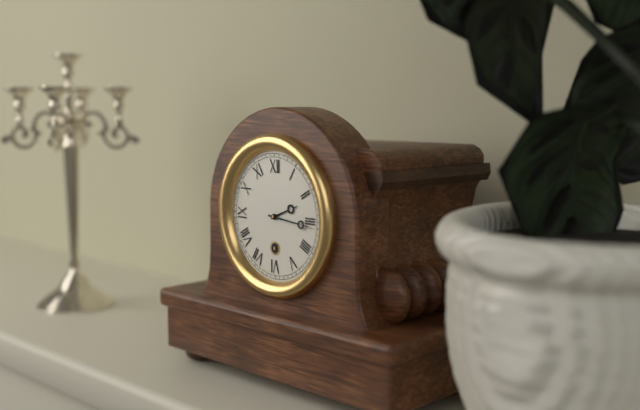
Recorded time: 2:16
